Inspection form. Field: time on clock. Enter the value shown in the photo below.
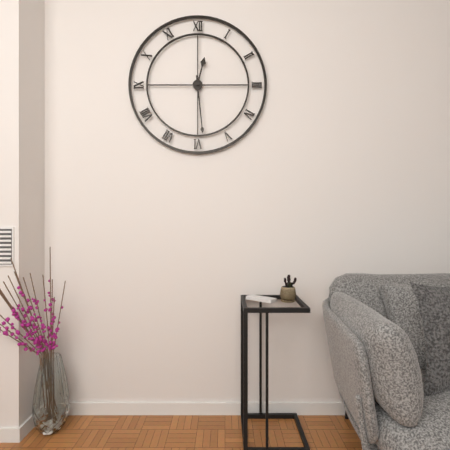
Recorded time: 12:29
